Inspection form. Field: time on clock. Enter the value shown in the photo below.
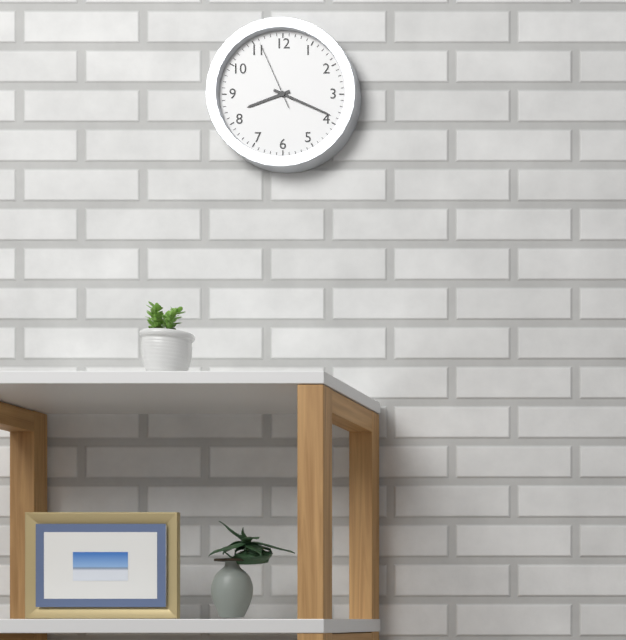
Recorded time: 8:19:56
